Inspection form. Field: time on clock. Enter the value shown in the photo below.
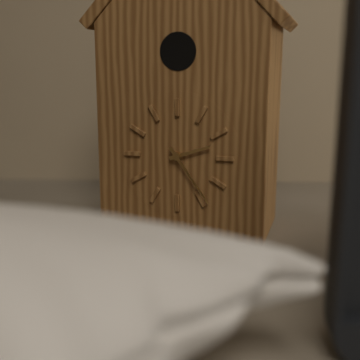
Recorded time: 2:24
